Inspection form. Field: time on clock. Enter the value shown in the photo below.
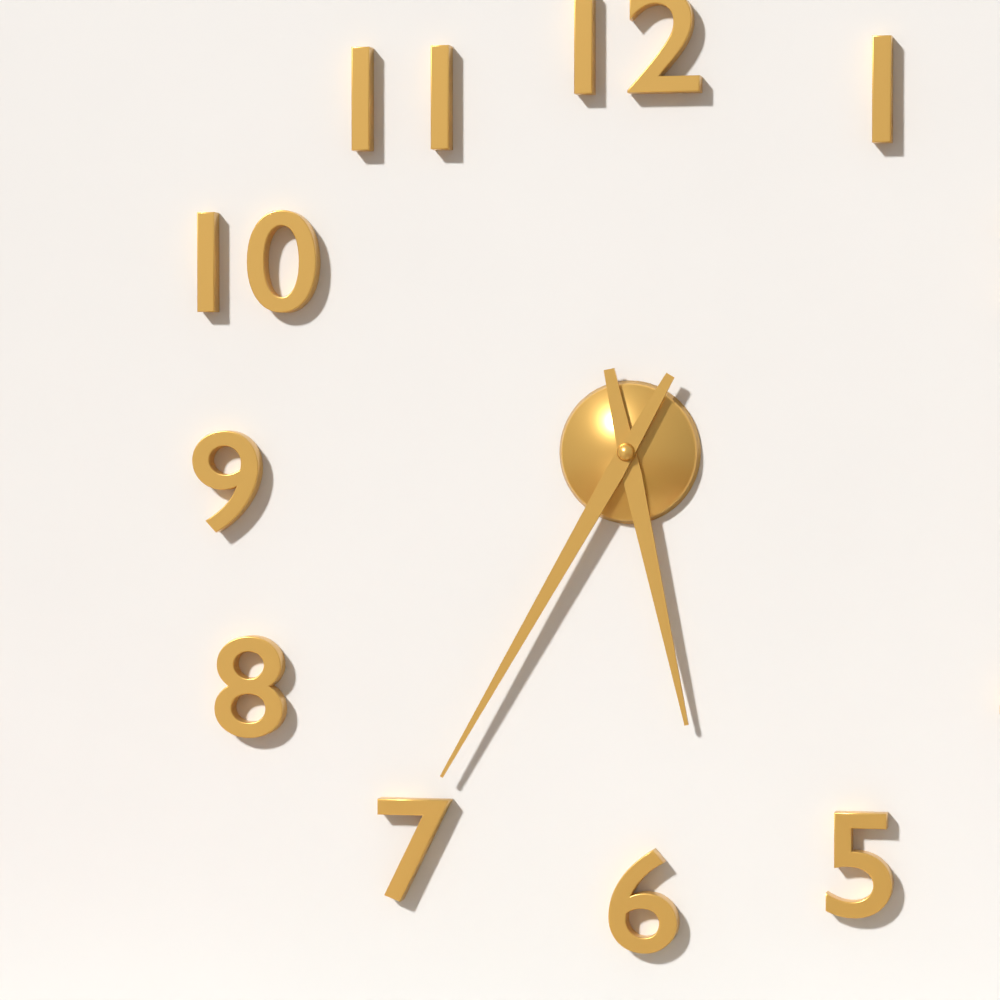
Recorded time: 5:35
